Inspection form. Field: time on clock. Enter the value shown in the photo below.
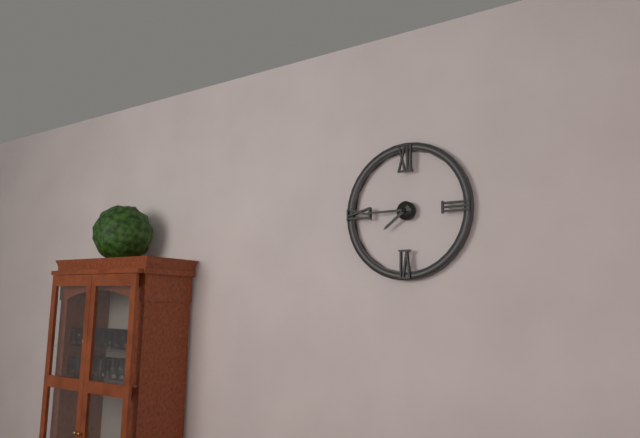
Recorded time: 7:45
